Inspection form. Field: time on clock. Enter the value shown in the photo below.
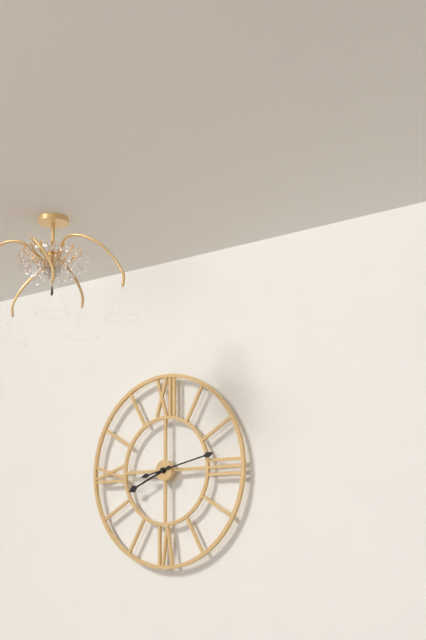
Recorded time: 8:13
